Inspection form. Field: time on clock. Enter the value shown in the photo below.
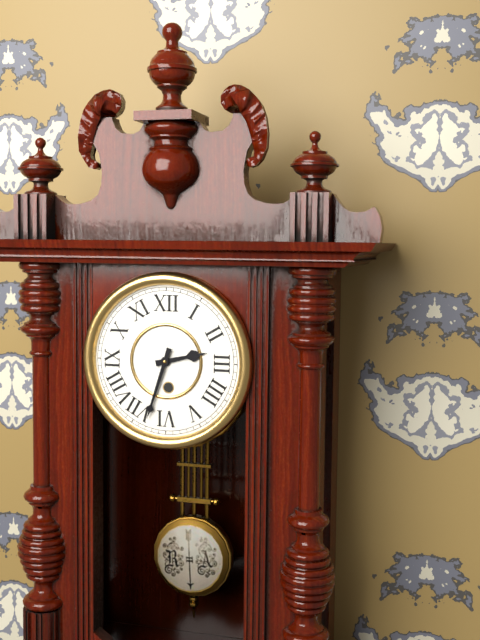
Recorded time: 2:33
